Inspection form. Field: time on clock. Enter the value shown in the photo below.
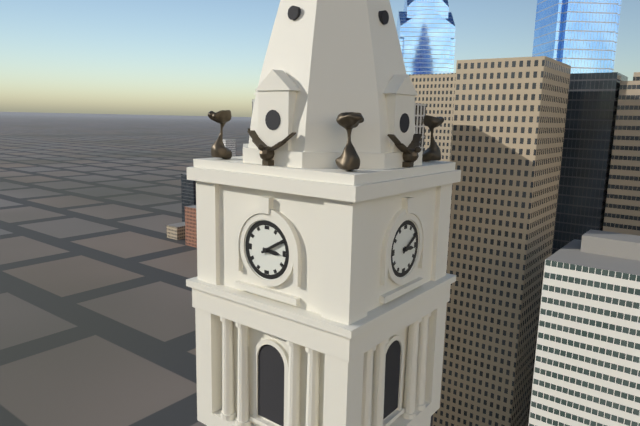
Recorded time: 3:10
